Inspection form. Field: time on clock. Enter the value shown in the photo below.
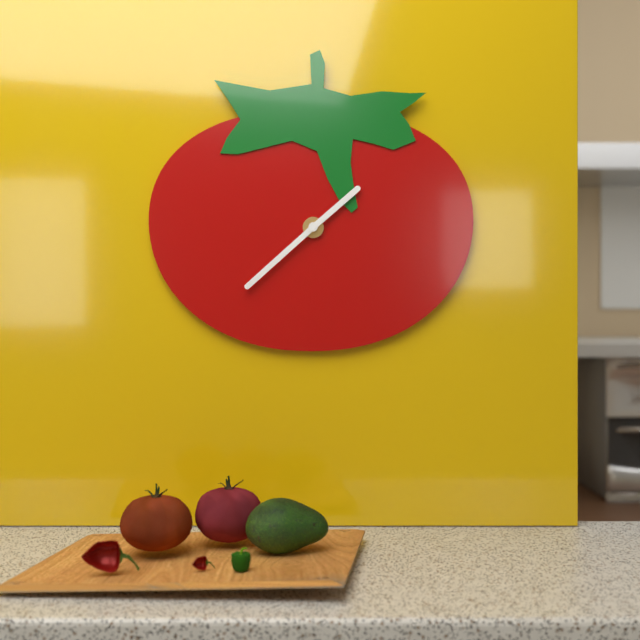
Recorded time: 1:38
